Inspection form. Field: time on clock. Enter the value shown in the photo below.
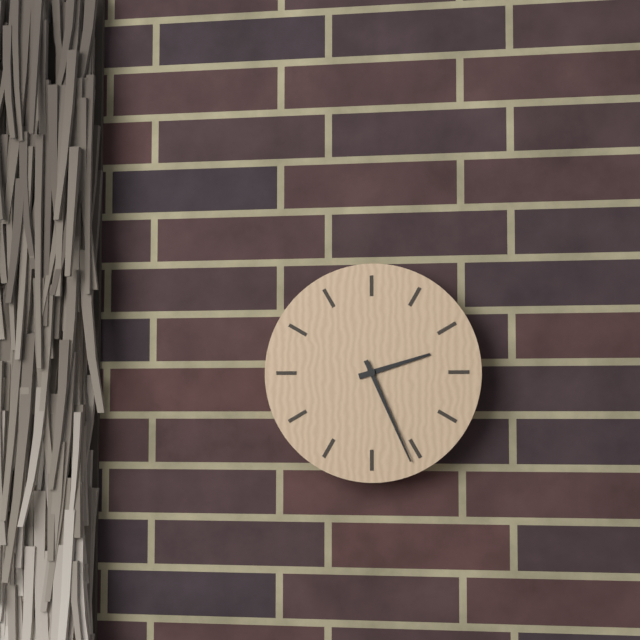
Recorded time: 2:26
